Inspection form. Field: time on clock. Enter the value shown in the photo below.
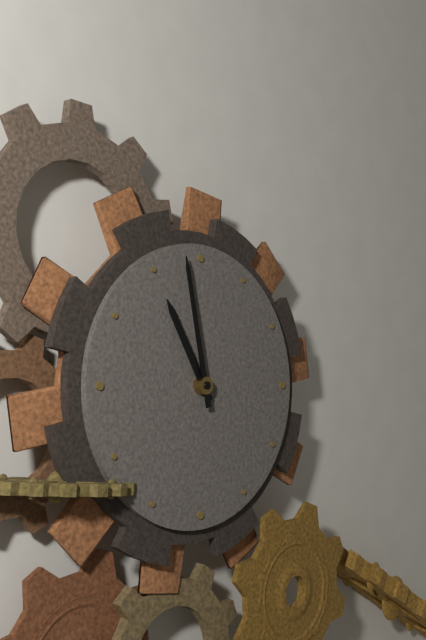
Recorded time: 10:58
